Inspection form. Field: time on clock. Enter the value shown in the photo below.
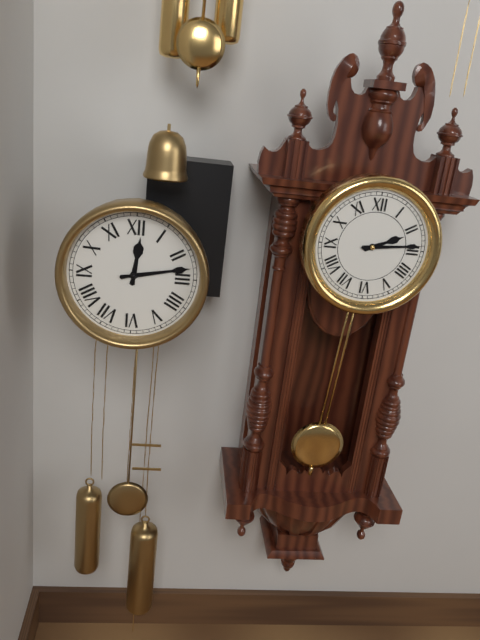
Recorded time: 12:13
